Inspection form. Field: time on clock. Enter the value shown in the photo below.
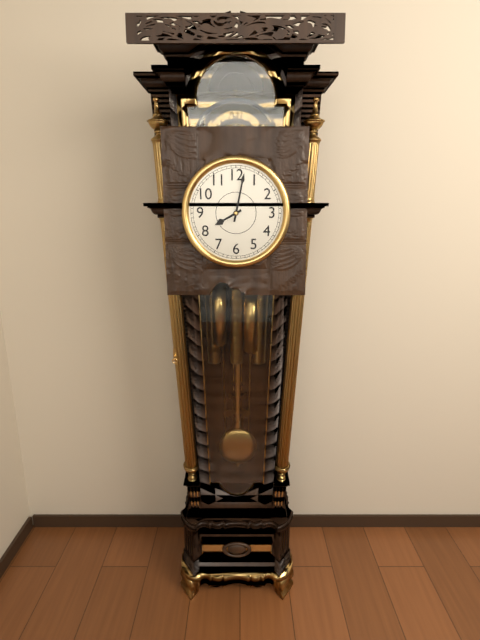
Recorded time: 8:02
